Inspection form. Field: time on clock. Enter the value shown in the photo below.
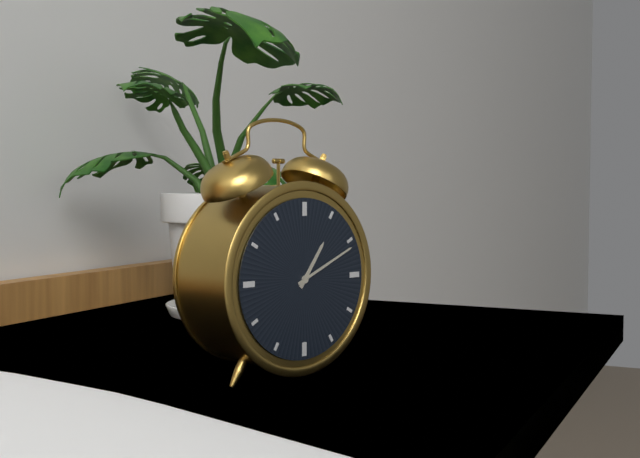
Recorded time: 1:11
